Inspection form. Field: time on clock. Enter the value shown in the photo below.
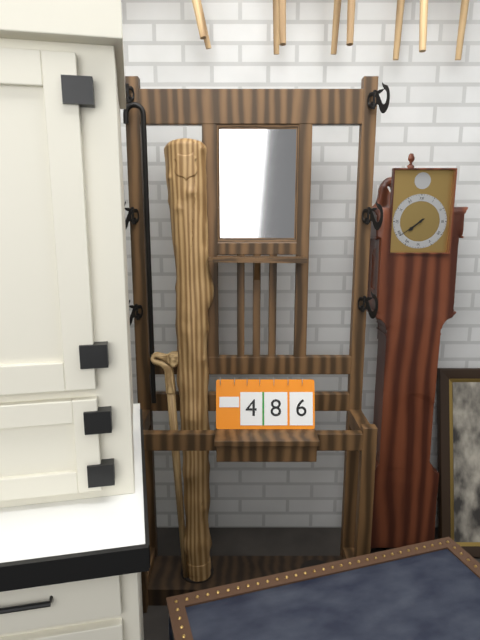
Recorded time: 7:39
